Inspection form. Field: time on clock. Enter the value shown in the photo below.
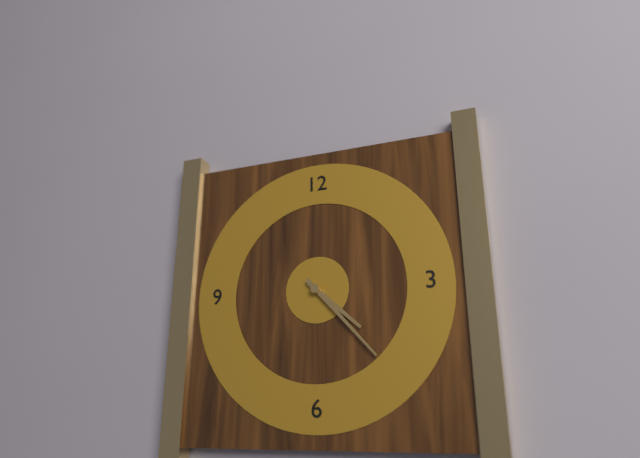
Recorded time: 4:23
